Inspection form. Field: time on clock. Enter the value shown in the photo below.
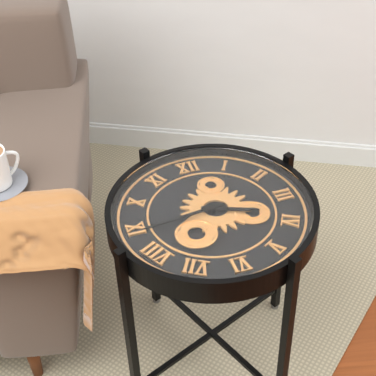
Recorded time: 3:44
